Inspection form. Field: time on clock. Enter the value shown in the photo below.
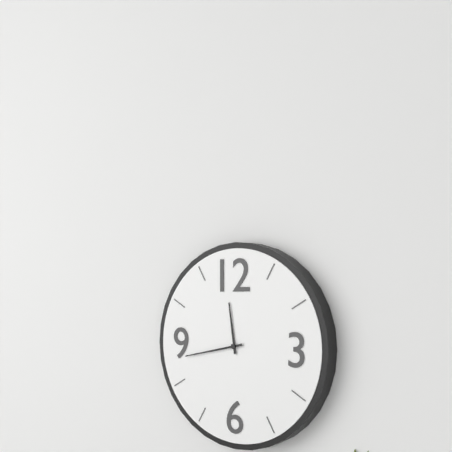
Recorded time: 11:43
